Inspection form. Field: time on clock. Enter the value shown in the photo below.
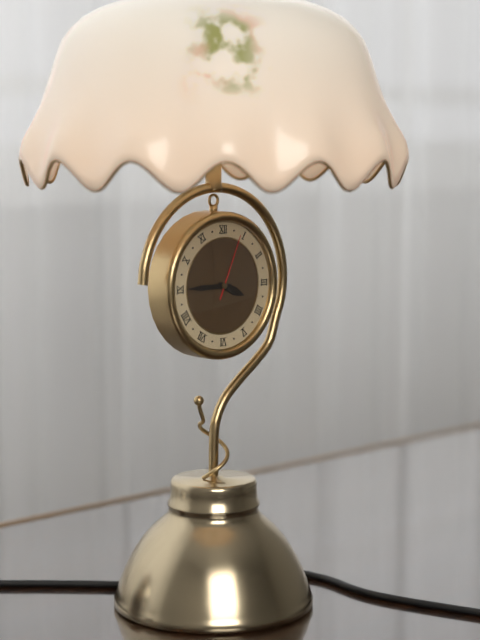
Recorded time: 3:45:04
